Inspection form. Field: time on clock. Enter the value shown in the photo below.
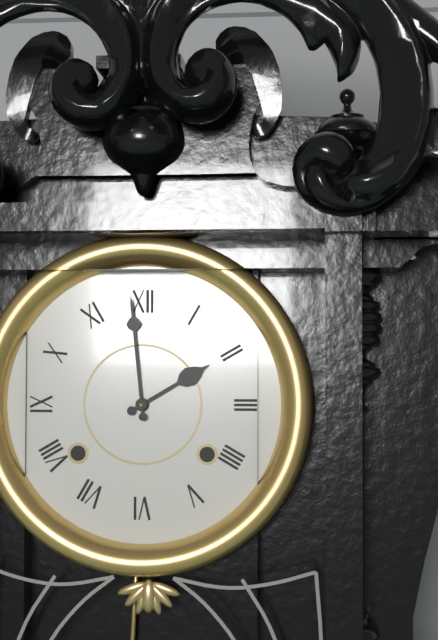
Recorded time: 1:59
